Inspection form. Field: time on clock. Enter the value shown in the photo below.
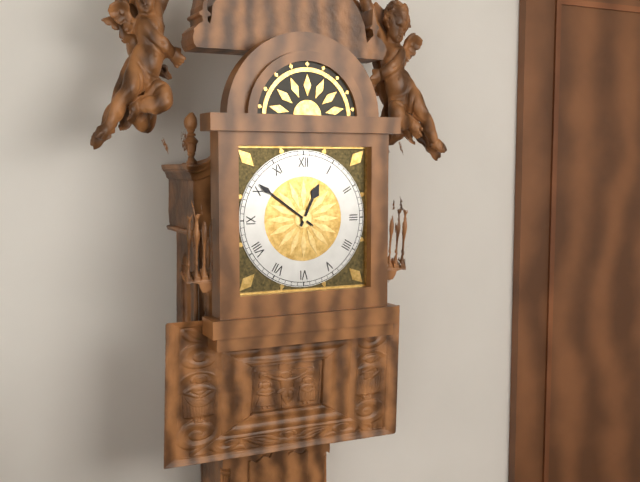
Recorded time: 12:51
